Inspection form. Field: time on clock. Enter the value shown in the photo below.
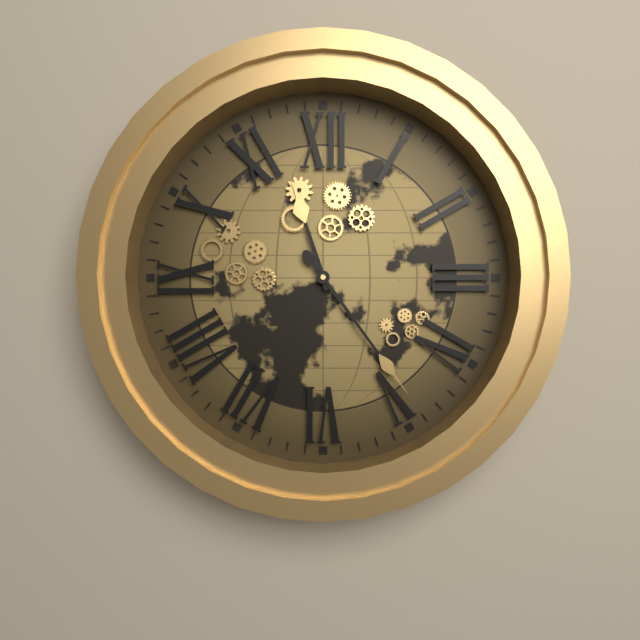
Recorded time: 11:24
